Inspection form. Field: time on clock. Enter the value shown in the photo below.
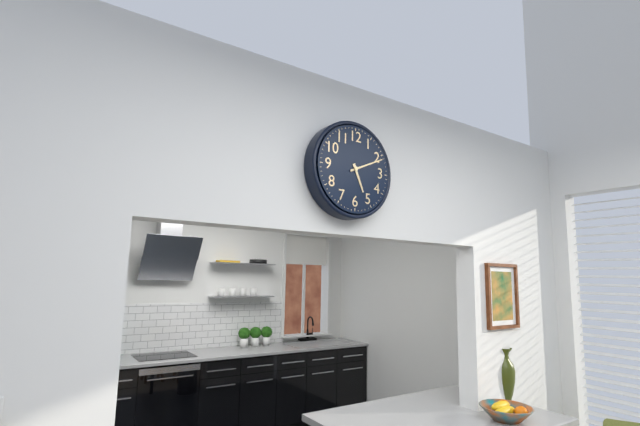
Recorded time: 5:11
